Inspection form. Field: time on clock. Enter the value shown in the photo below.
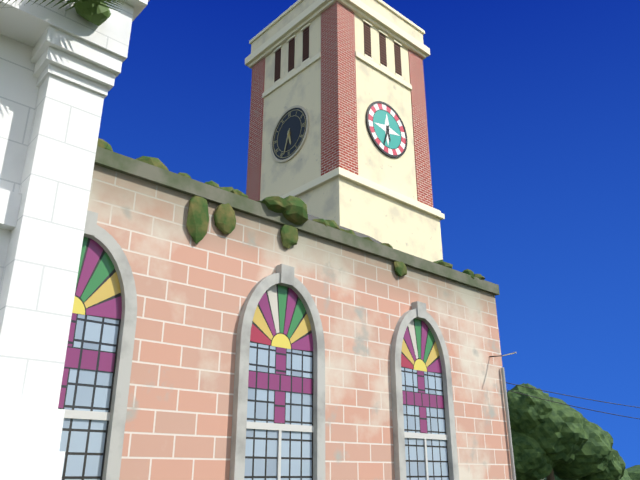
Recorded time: 5:33
